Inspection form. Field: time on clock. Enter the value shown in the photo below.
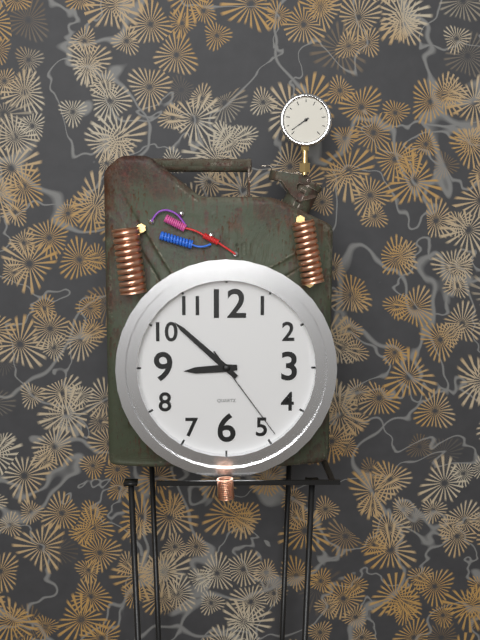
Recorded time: 8:52:24
